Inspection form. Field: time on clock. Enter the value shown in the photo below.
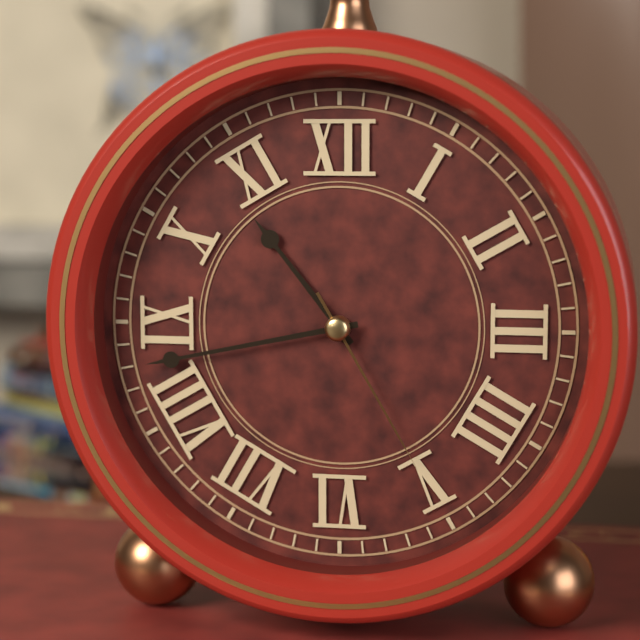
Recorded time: 10:43:25
